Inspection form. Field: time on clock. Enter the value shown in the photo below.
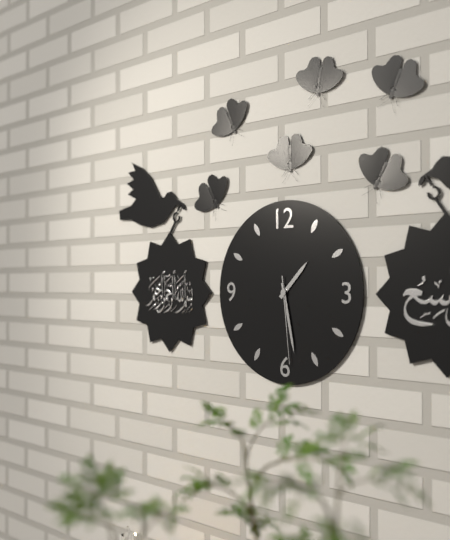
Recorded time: 1:28:29
